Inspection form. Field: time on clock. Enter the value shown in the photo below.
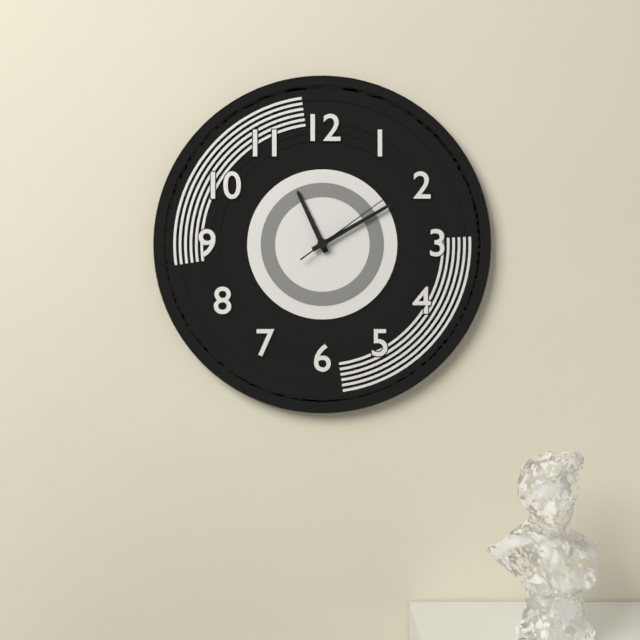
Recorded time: 11:10:09
